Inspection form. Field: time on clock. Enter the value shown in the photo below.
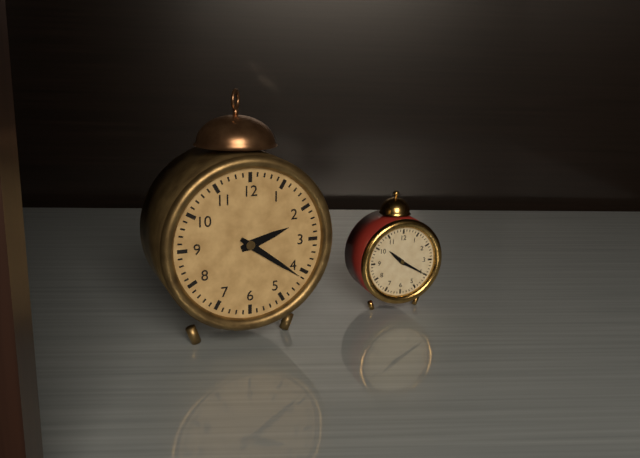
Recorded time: 2:21
